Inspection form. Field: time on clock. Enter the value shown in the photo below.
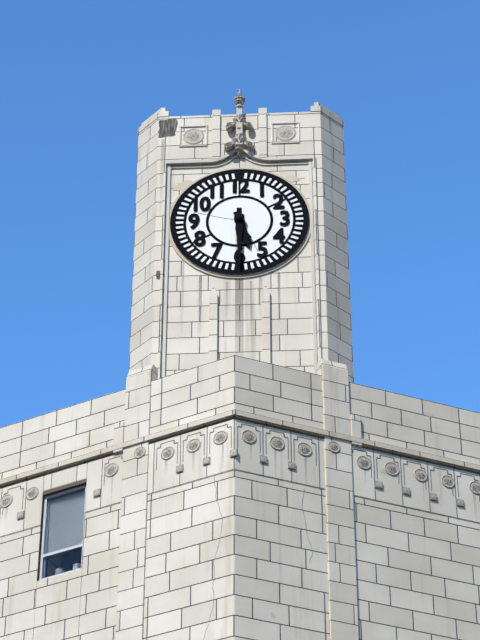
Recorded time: 5:30
